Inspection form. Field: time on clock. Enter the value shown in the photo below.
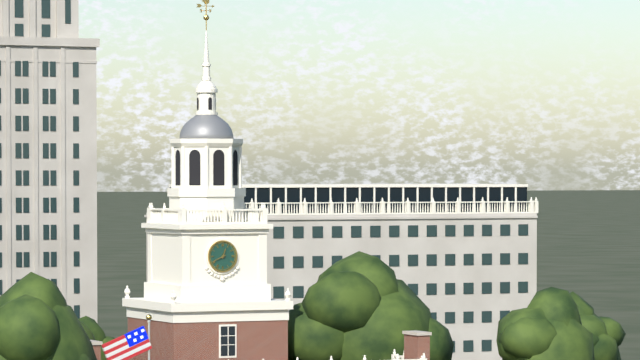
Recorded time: 12:41
